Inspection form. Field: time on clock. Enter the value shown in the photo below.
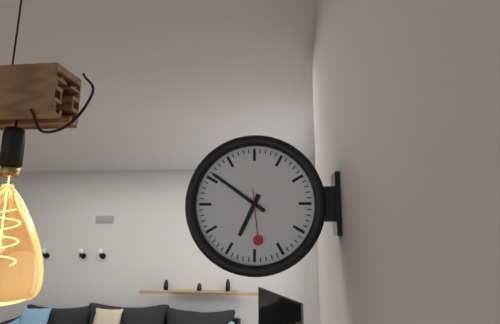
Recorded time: 6:51:29
